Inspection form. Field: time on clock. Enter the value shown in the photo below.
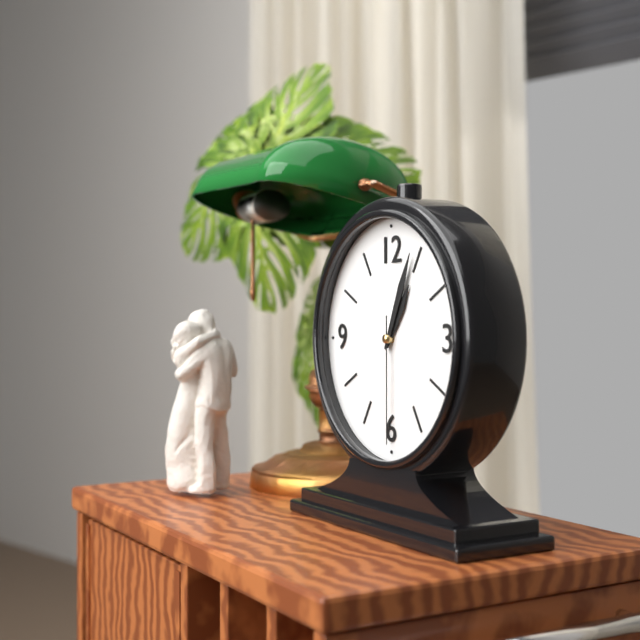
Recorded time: 1:04:30
